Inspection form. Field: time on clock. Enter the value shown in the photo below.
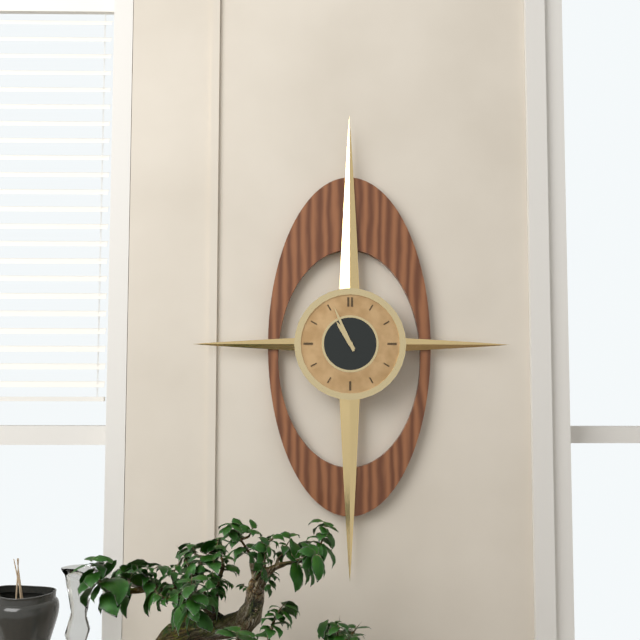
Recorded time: 10:56
